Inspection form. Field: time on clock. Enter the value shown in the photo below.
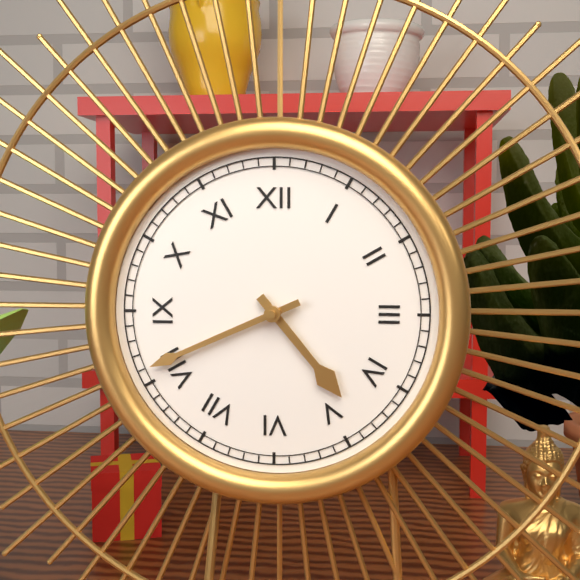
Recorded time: 4:41
